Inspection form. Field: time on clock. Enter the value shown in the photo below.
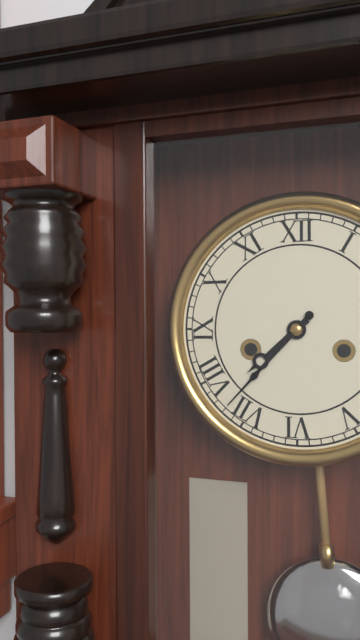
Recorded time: 7:37
